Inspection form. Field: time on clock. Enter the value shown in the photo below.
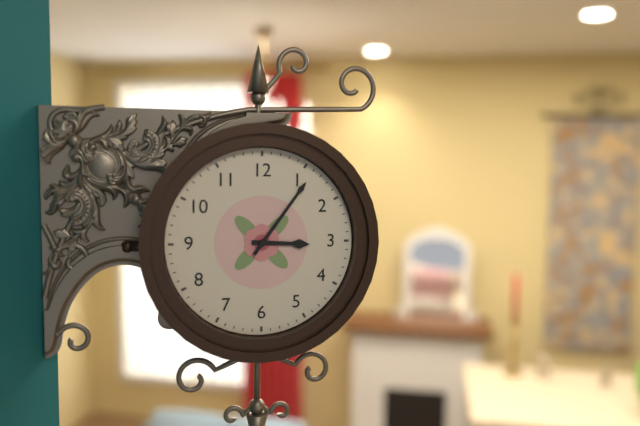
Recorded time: 3:06
